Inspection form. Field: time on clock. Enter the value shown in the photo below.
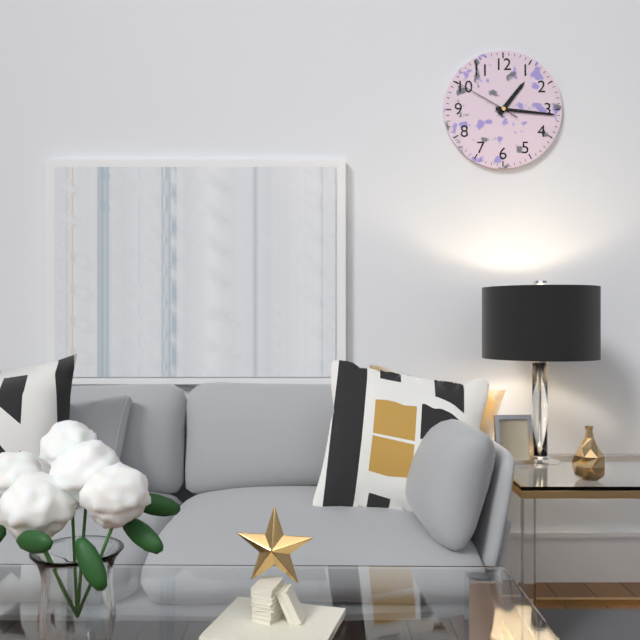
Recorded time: 1:16:50
